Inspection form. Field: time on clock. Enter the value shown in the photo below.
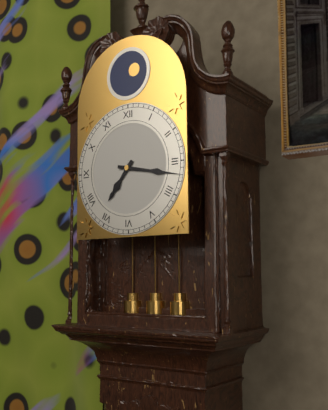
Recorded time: 7:17
